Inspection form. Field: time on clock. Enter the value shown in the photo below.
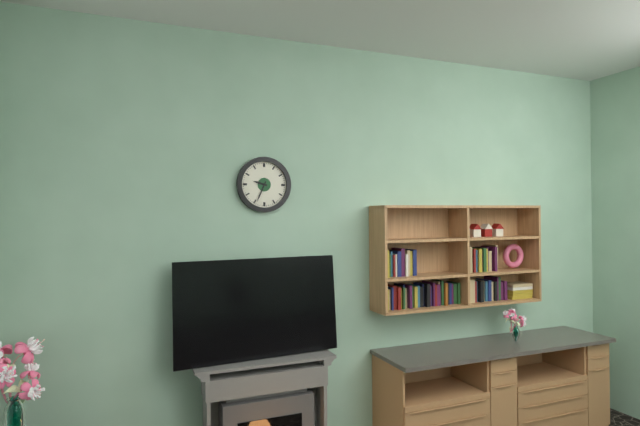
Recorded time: 9:34
